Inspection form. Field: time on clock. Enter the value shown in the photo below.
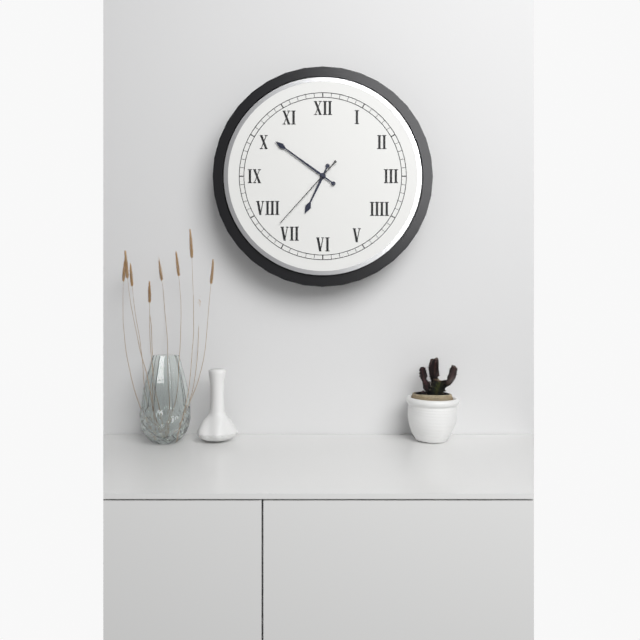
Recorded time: 6:51:37
